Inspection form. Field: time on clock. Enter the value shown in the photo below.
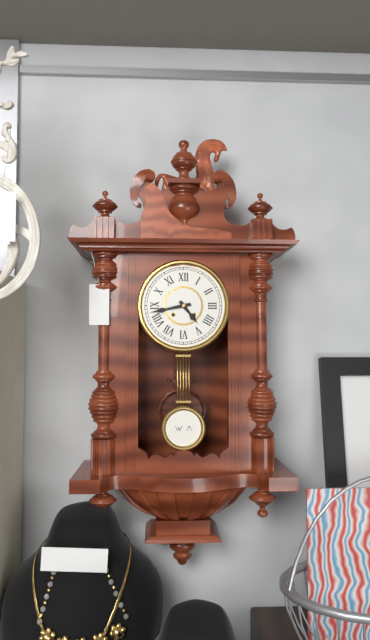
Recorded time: 4:43
